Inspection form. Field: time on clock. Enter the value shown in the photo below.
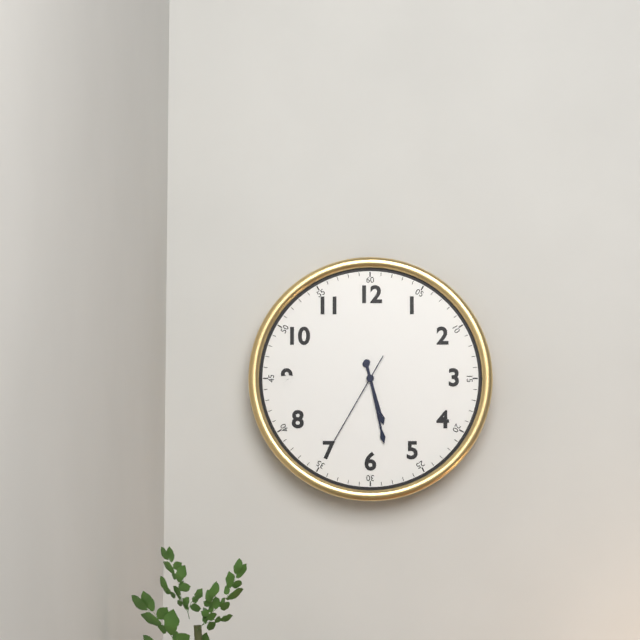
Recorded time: 5:28:35
